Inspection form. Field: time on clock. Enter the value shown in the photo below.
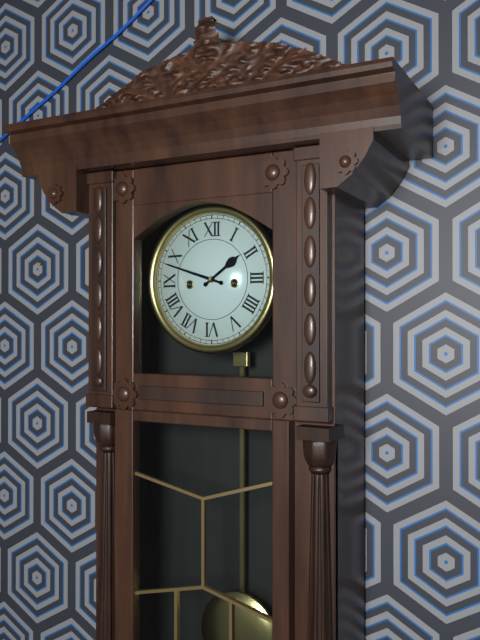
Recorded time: 1:48
